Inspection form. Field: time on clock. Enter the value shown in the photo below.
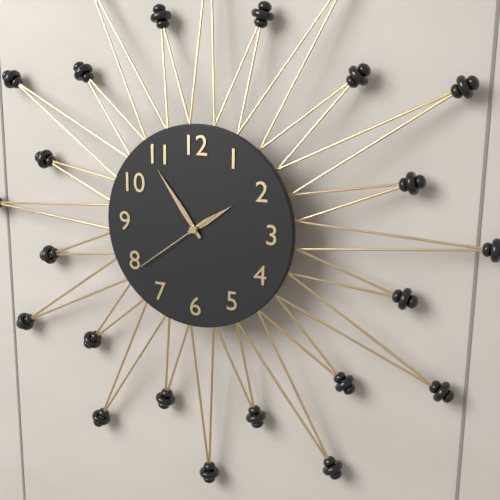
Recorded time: 1:54:39
